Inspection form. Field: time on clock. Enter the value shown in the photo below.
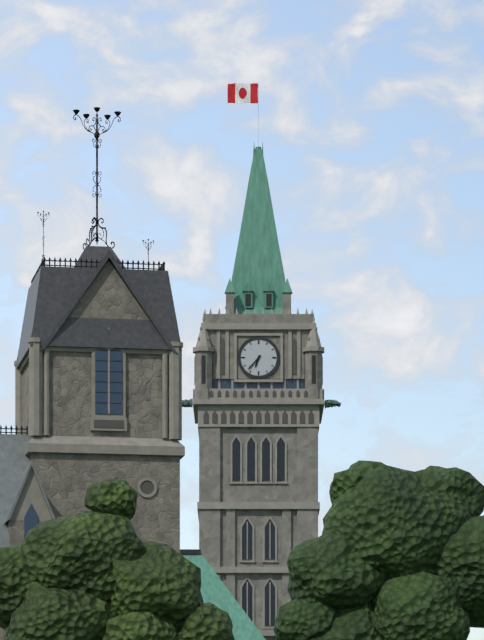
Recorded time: 6:37
